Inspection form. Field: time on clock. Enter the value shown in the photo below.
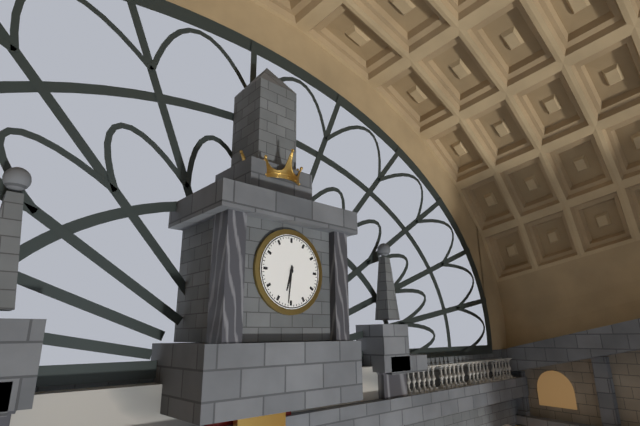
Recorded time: 6:31
